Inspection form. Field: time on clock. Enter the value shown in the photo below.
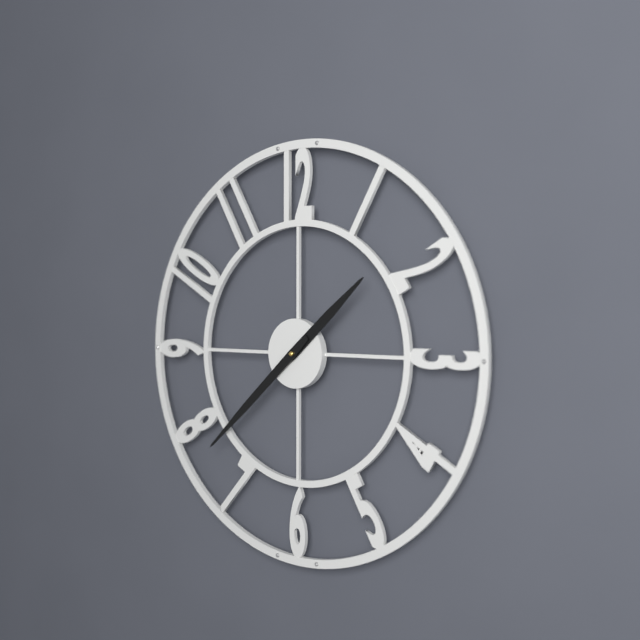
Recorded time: 1:38
